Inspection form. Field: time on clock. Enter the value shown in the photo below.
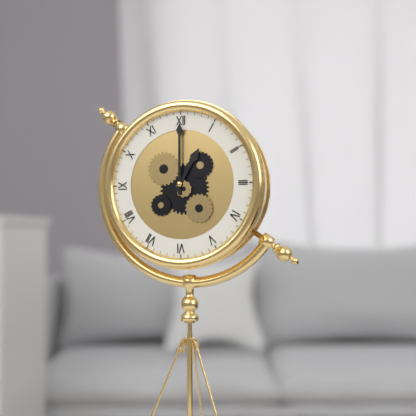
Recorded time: 1:00
